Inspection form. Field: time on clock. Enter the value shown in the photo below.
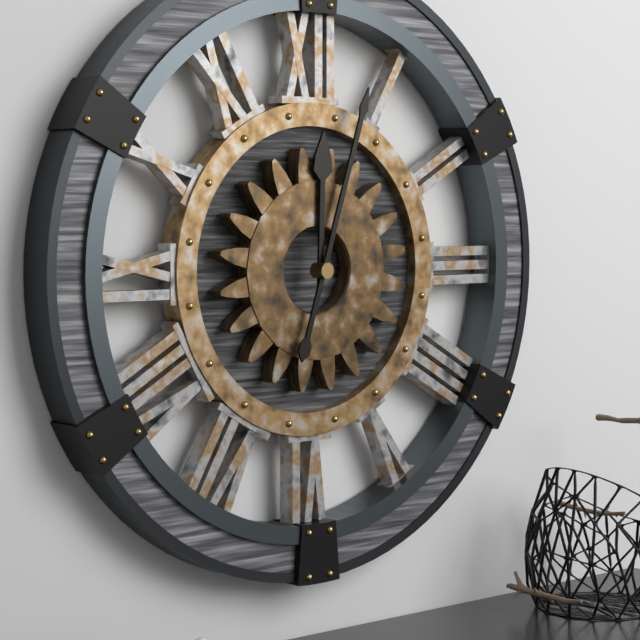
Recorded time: 12:03
